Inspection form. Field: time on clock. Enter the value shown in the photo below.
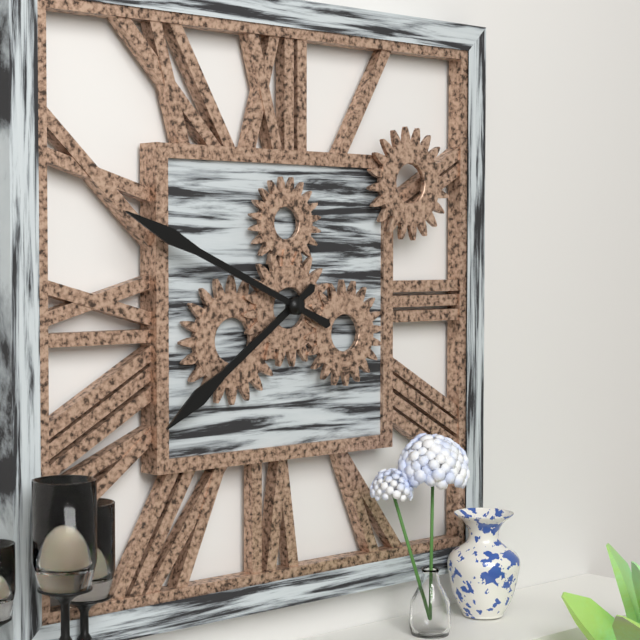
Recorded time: 7:49
